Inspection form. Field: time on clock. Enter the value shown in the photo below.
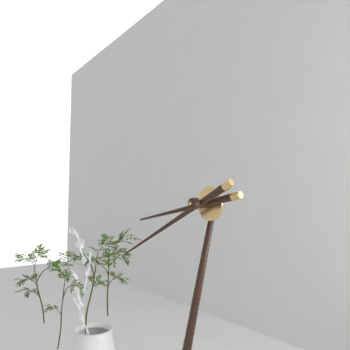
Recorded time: 8:41
